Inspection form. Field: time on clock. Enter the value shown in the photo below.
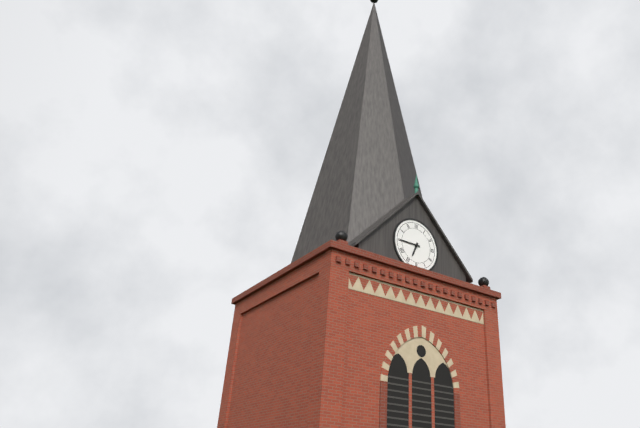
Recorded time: 6:45
